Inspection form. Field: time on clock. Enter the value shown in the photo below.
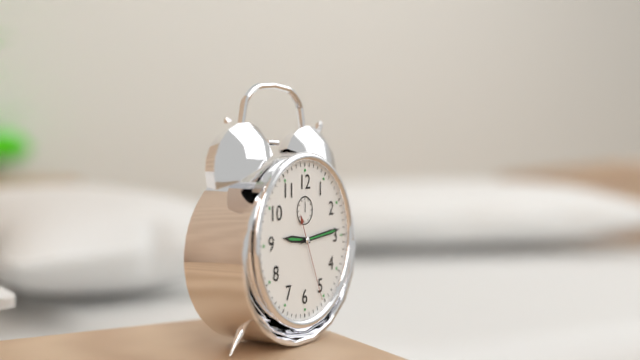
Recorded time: 9:14:26
